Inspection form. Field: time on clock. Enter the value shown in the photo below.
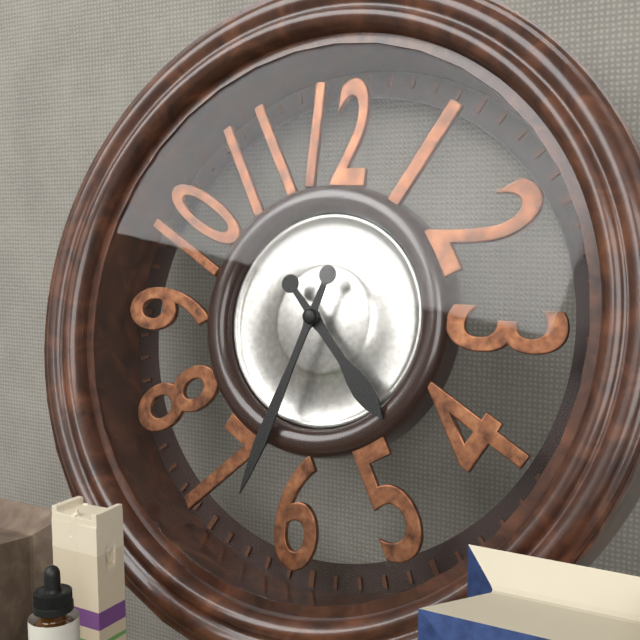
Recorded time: 4:33
